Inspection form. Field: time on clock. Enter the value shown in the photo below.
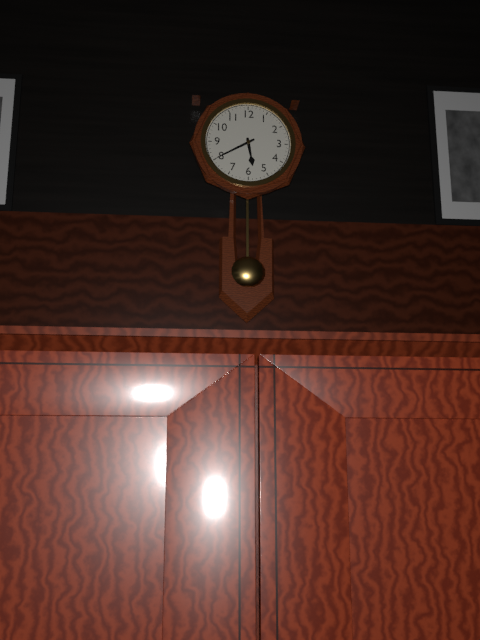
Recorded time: 5:40
